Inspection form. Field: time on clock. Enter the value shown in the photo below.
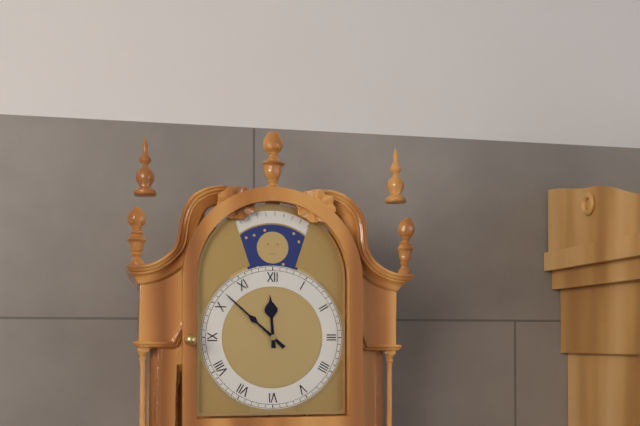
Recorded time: 11:52
